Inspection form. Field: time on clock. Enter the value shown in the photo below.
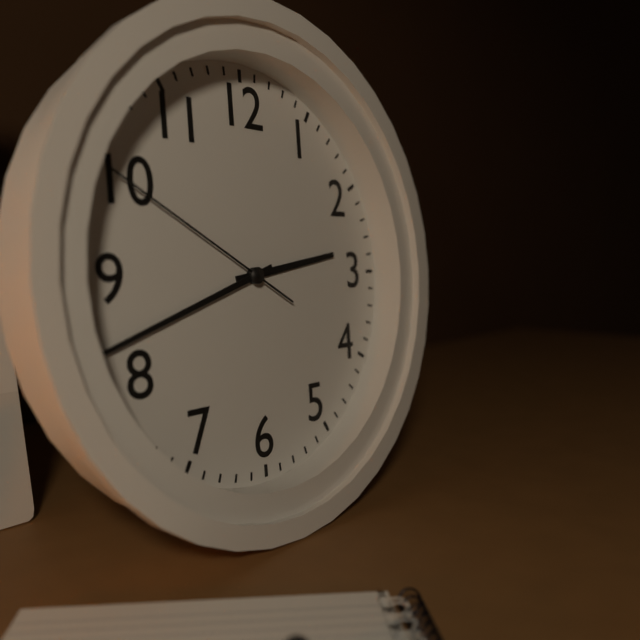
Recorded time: 2:42:50
